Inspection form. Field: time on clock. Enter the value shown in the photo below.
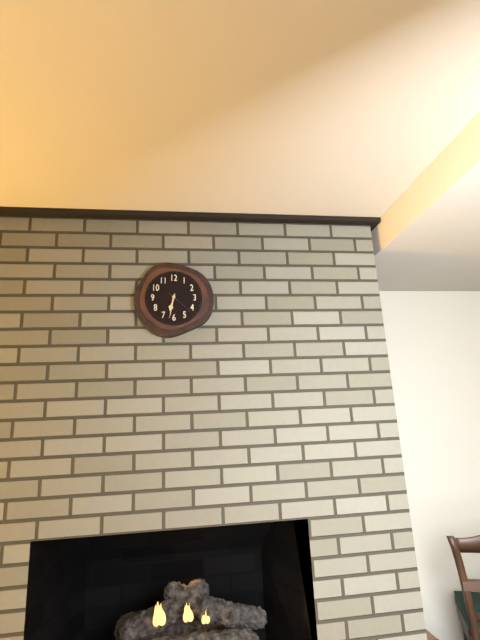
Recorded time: 6:32
